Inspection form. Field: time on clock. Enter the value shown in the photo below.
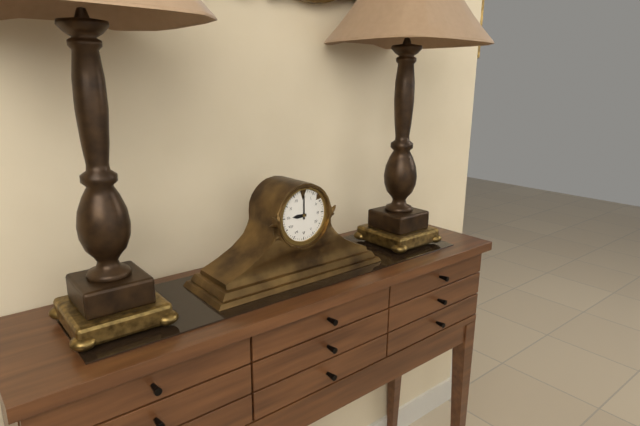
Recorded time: 9:00
